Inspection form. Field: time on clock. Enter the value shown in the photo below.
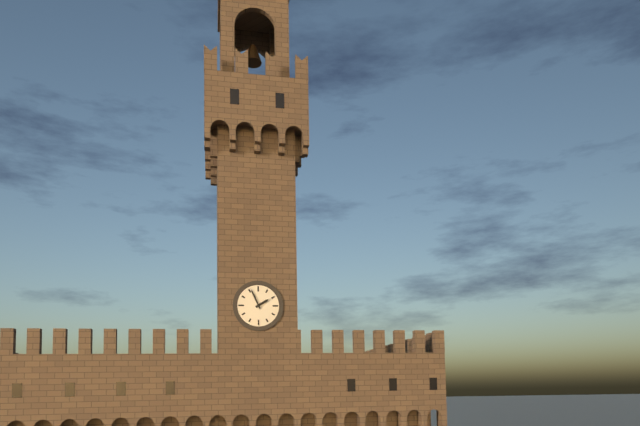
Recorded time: 1:56
